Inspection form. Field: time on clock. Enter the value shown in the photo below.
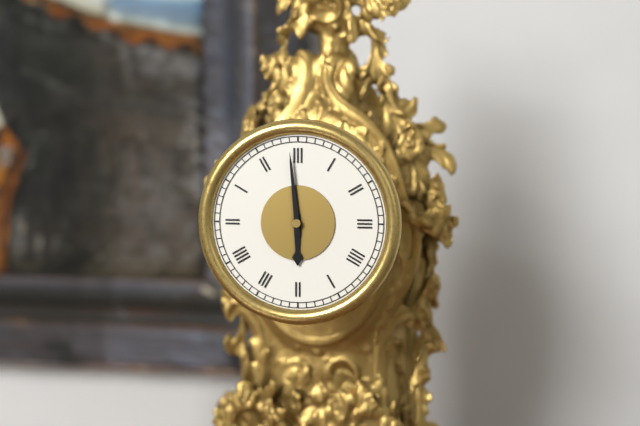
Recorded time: 5:59
